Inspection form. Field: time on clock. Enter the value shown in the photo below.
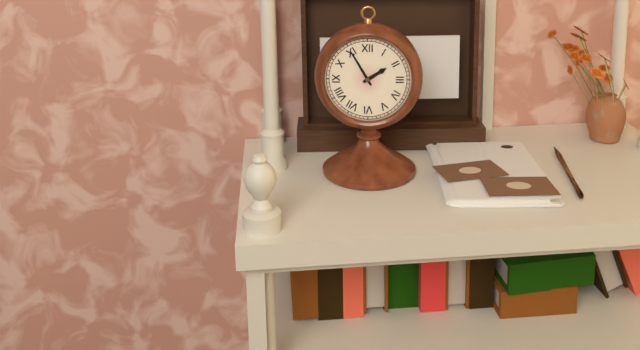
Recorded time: 1:55
